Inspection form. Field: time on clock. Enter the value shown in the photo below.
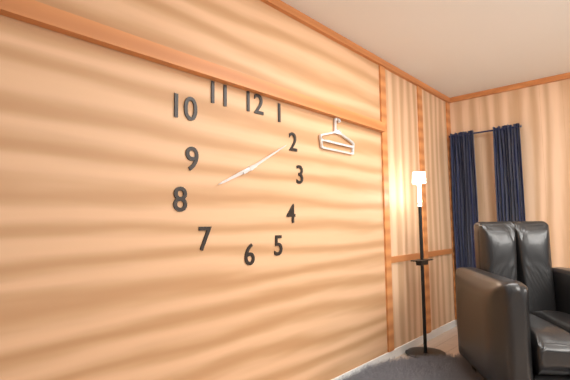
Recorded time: 8:10
